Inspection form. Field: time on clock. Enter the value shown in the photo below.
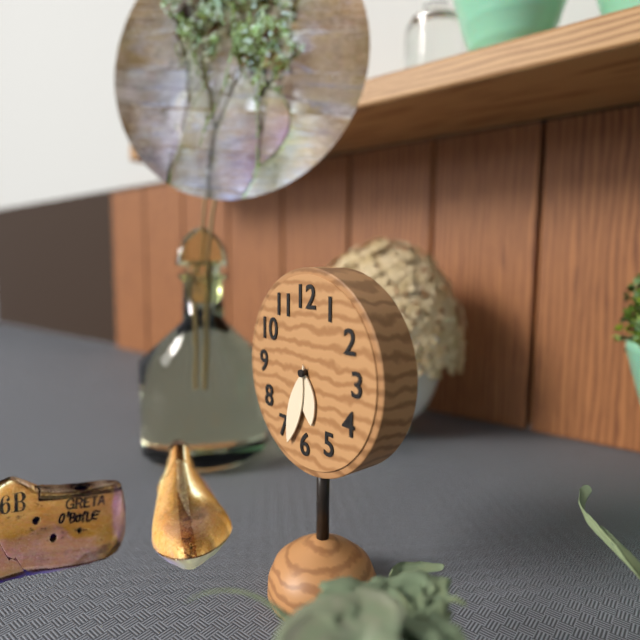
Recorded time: 5:33
